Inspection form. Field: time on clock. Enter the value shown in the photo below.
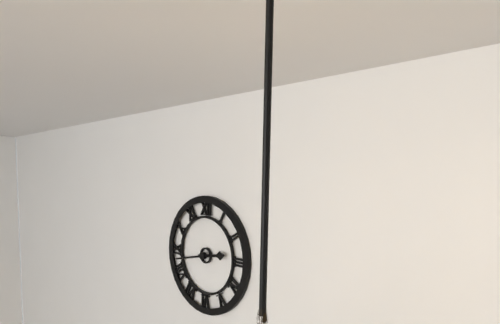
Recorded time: 2:43
